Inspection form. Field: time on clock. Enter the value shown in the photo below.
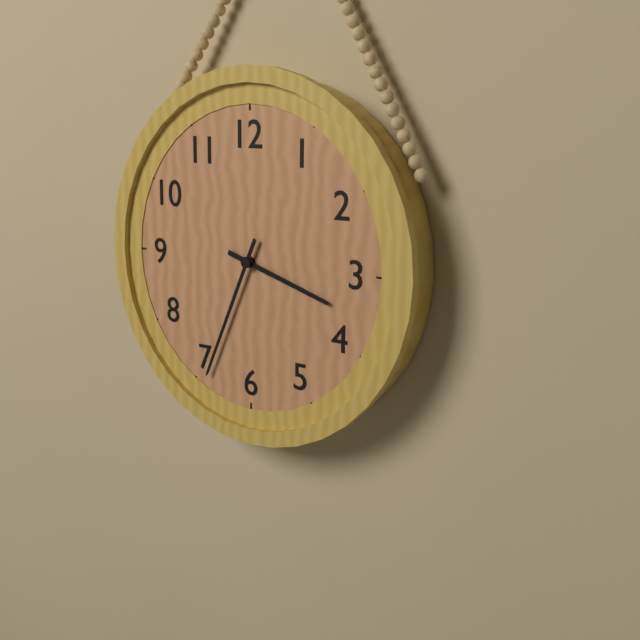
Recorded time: 3:34
